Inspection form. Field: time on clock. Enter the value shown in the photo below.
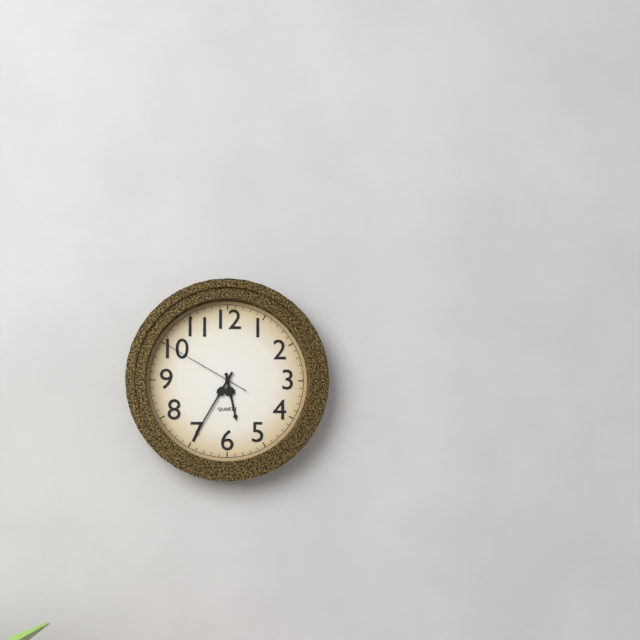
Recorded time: 5:35:50
